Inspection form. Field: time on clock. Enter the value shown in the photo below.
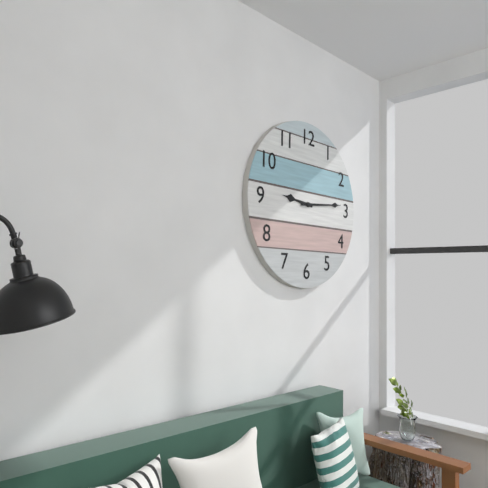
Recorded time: 9:14
